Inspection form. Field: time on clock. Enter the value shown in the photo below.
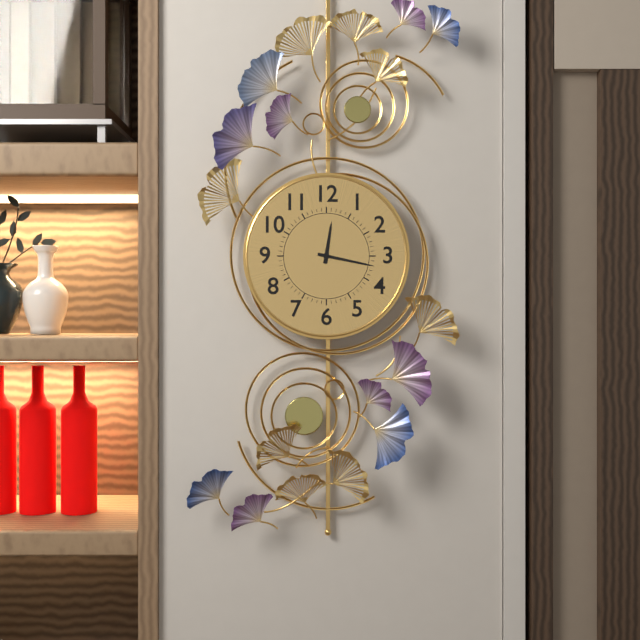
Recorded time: 12:17
